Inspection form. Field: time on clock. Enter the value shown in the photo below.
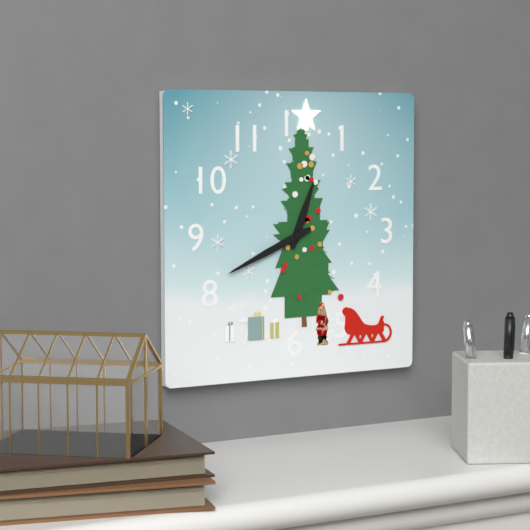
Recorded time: 12:41
